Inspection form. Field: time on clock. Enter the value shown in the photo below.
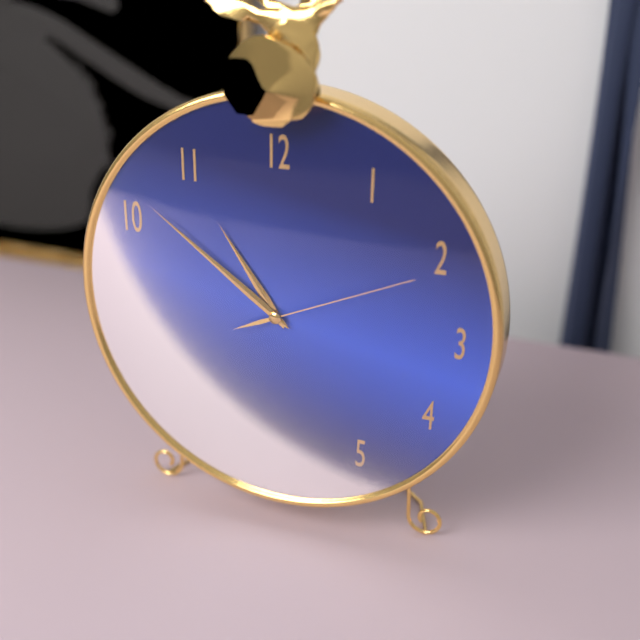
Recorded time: 10:51:11
